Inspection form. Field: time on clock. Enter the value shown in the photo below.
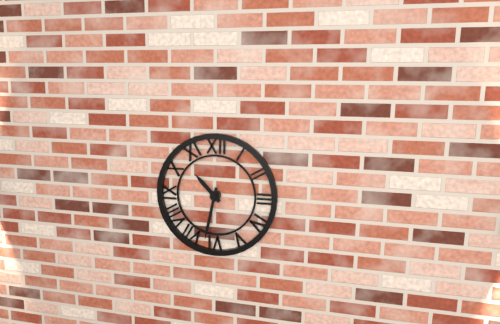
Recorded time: 10:32
